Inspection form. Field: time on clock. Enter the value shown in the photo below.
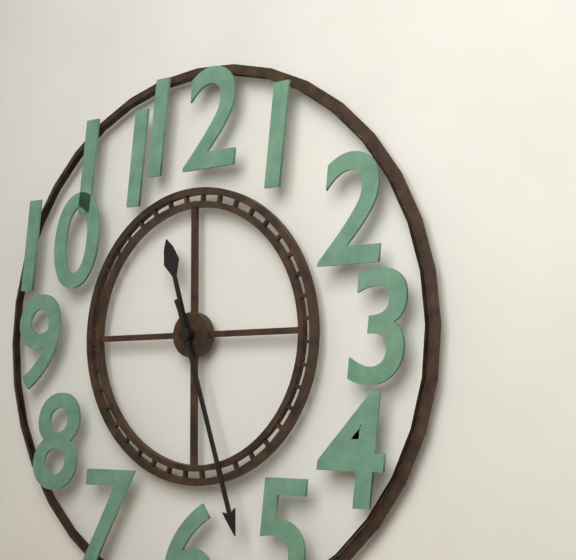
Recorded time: 11:27
